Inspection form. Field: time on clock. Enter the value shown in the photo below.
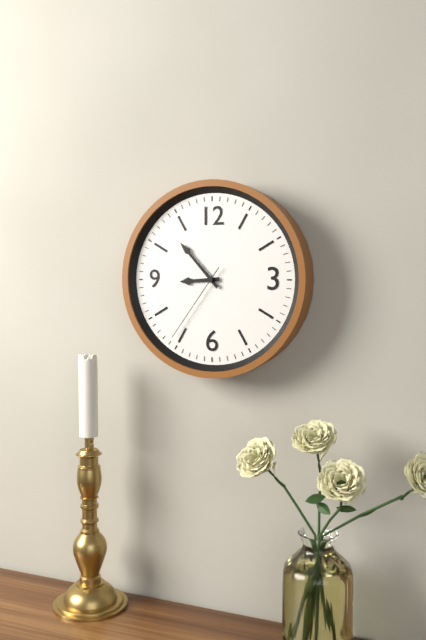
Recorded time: 8:53:36
